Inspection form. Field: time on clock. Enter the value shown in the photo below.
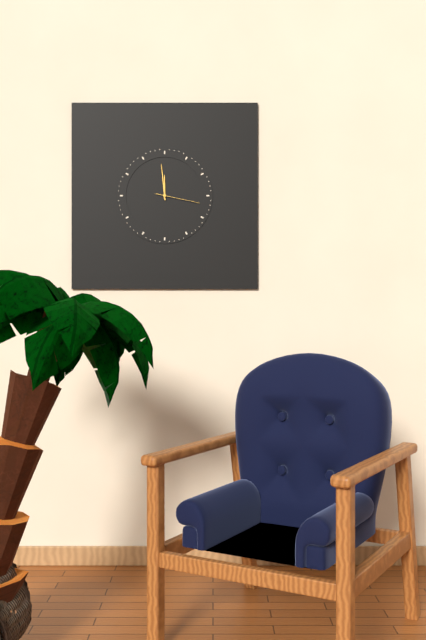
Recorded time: 11:59
